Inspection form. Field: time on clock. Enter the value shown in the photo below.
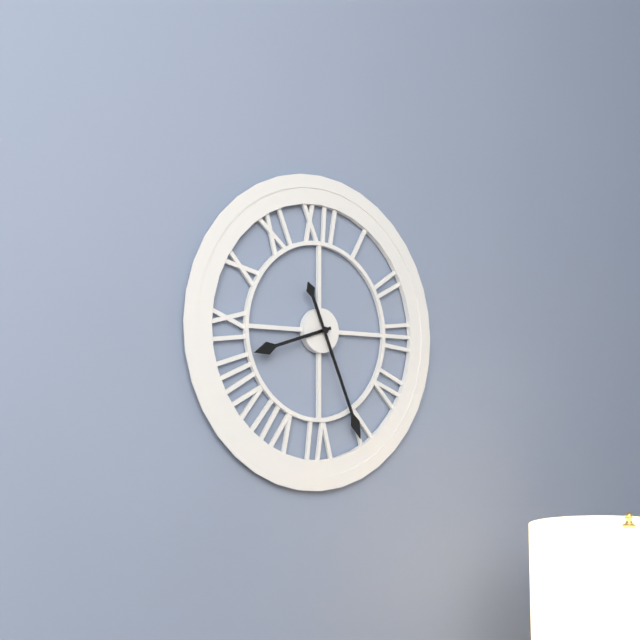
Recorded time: 8:26
